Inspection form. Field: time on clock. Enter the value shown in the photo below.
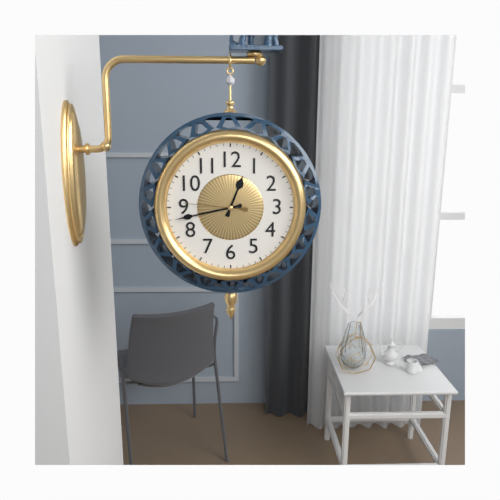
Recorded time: 12:43:46
